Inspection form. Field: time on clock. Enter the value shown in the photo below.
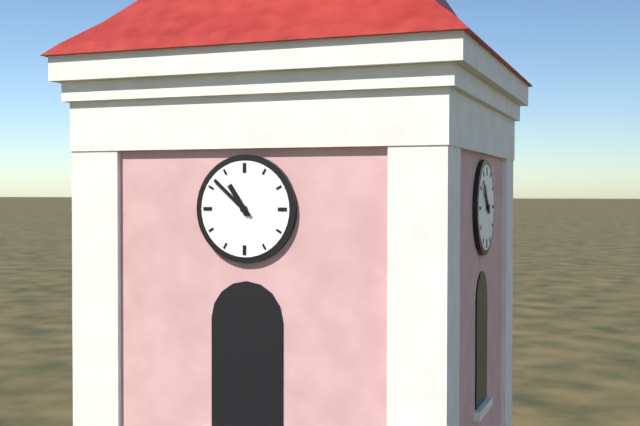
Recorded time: 10:52
